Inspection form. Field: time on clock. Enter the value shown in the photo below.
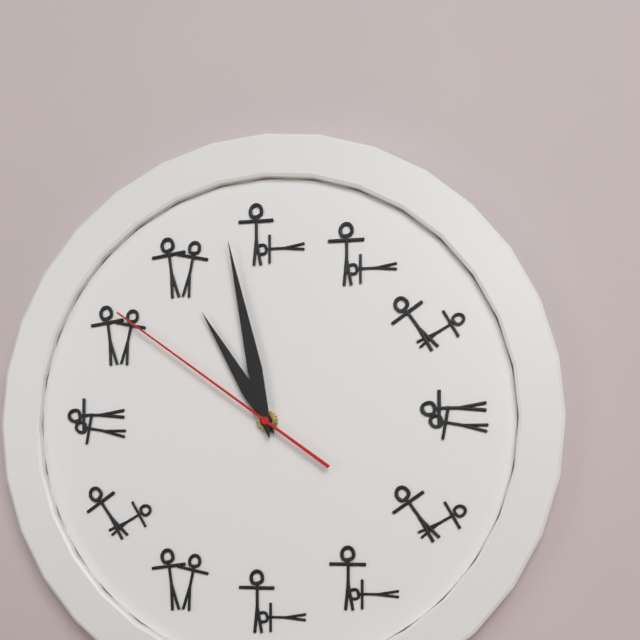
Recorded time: 10:58:51
